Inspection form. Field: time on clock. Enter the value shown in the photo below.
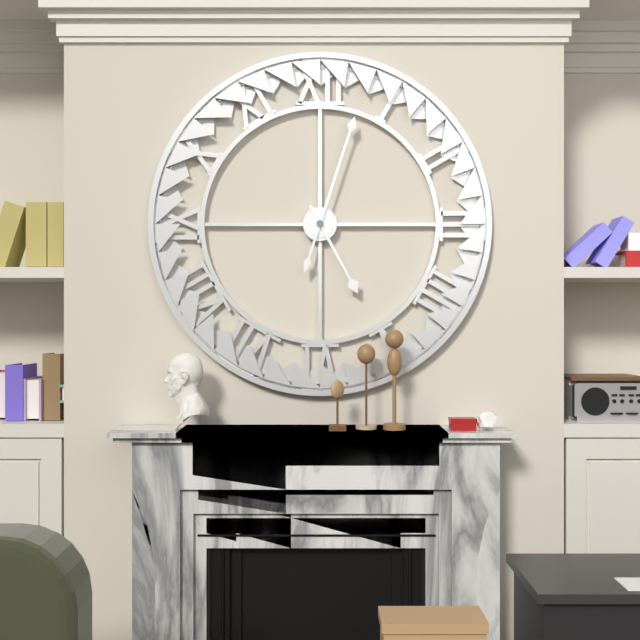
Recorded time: 5:03
